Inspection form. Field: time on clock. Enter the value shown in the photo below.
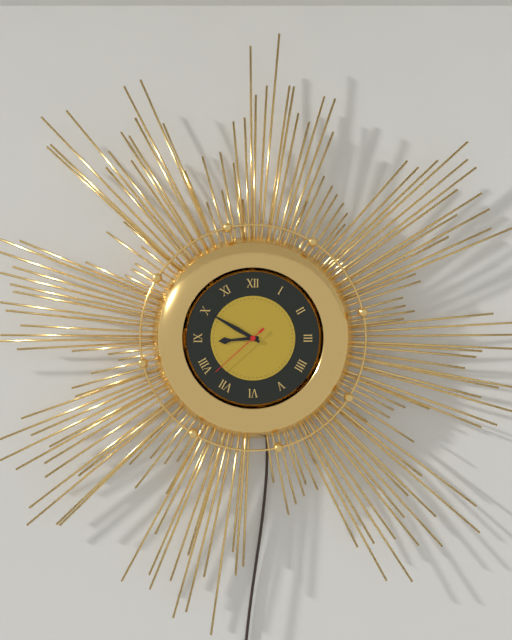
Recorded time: 8:50:38
